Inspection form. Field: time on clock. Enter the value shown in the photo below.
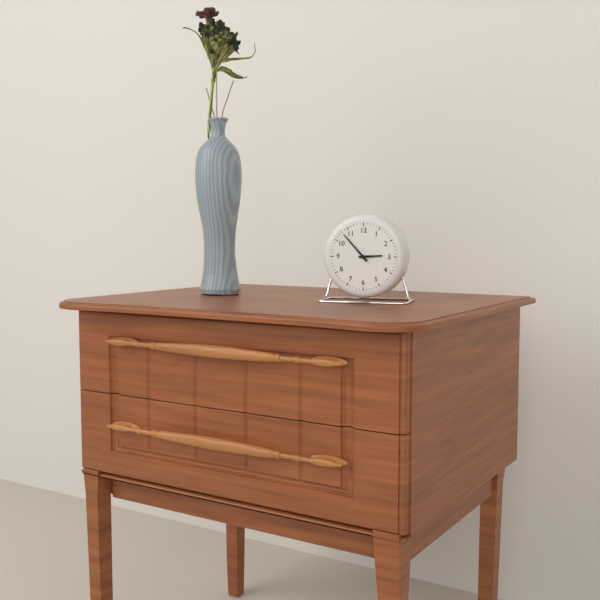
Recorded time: 2:53
